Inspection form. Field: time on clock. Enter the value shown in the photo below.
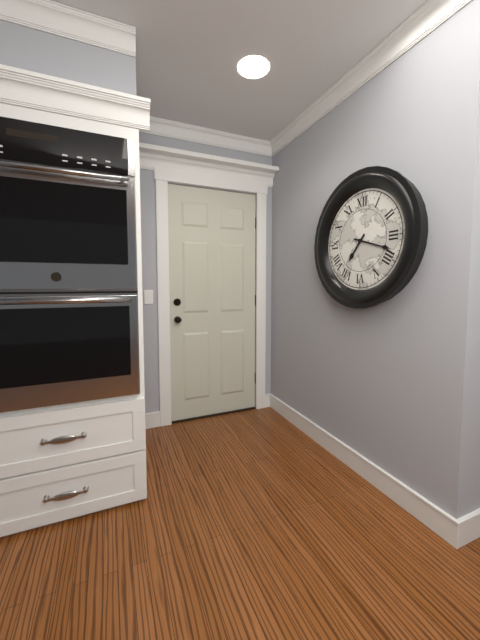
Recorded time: 7:18
